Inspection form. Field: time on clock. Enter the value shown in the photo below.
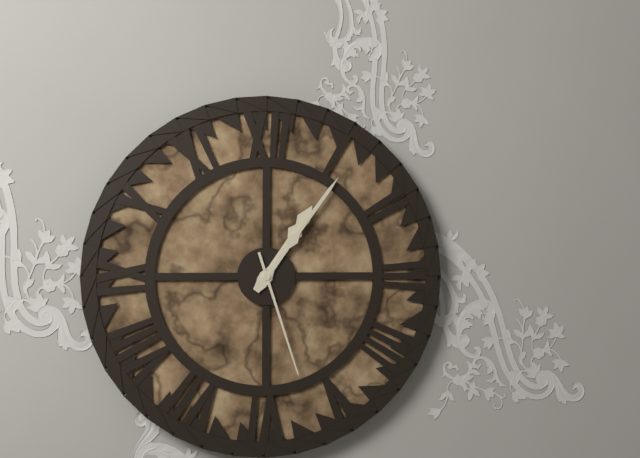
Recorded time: 1:06:27
